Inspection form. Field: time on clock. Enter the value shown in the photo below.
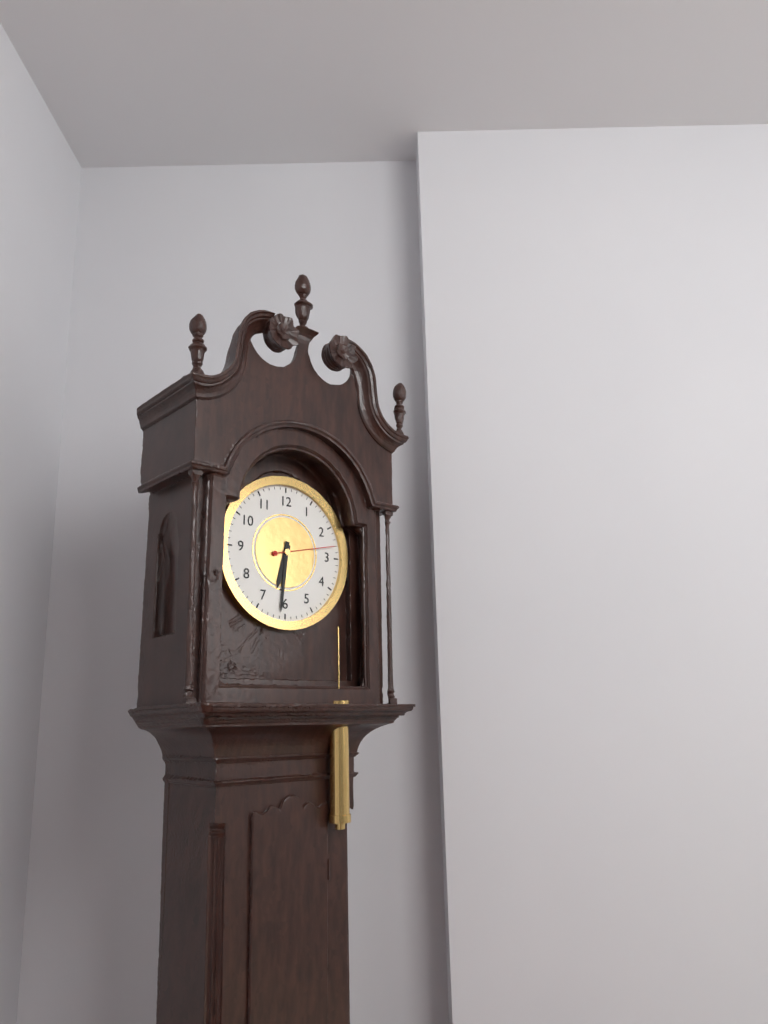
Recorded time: 6:31:13
